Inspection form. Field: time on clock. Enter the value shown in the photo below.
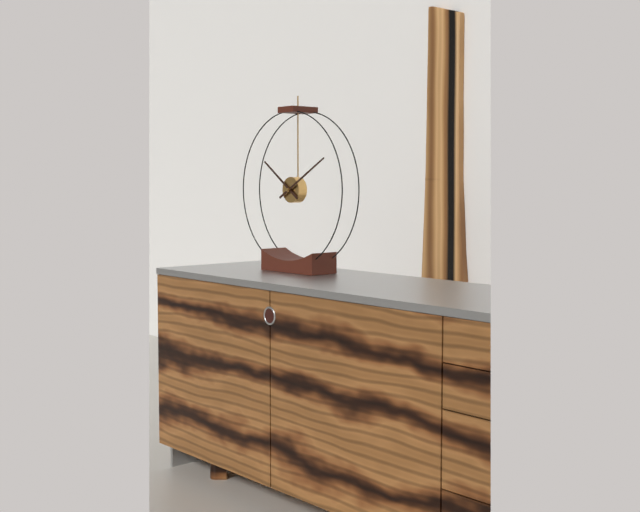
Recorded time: 10:10
